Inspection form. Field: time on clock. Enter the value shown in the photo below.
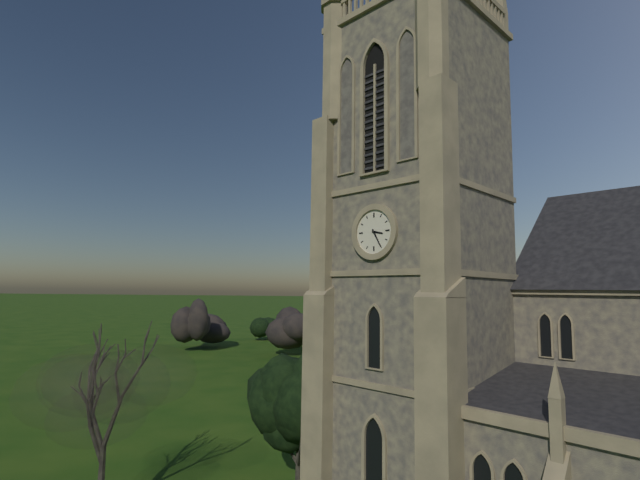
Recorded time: 3:25
